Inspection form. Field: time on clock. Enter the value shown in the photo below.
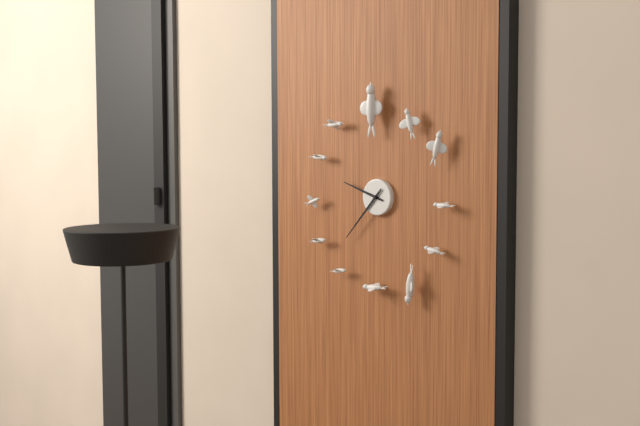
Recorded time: 9:37
